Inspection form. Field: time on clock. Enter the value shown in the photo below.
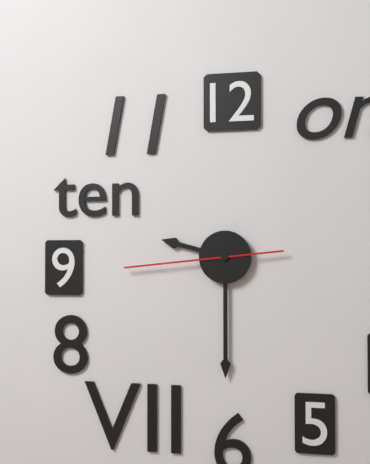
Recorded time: 9:30:44
